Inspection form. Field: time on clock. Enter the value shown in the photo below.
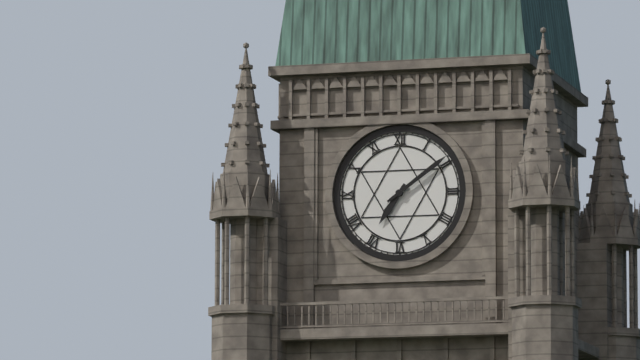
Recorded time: 7:09
